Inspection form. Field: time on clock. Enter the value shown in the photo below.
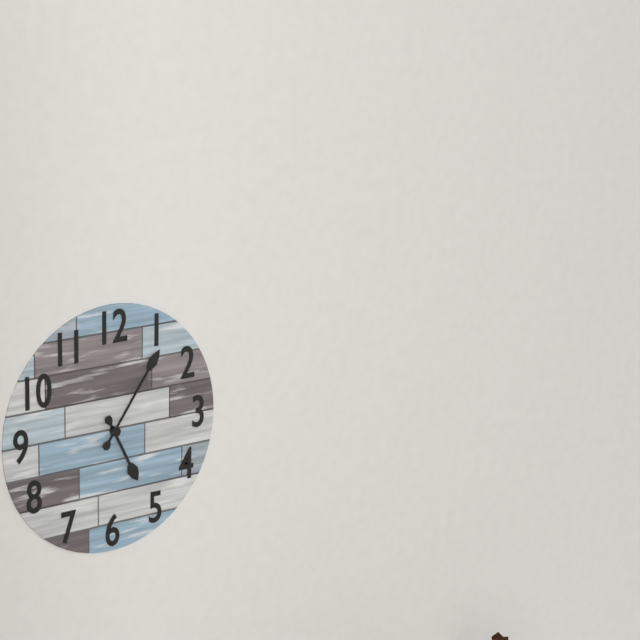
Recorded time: 5:06
